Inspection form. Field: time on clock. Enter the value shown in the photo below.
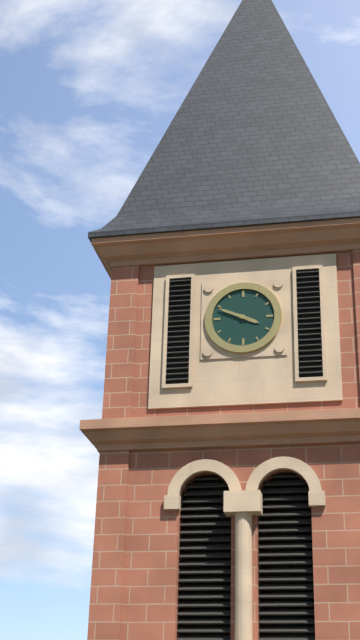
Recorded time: 3:49
